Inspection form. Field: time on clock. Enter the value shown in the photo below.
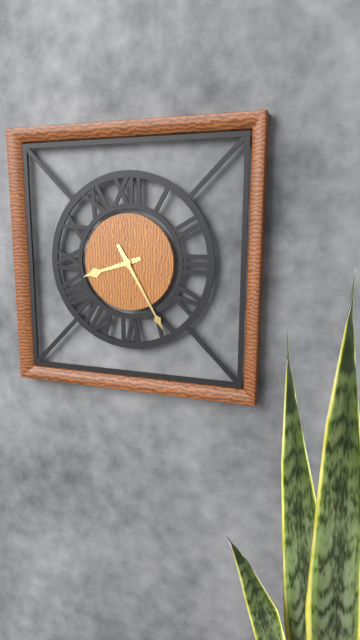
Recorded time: 8:25
